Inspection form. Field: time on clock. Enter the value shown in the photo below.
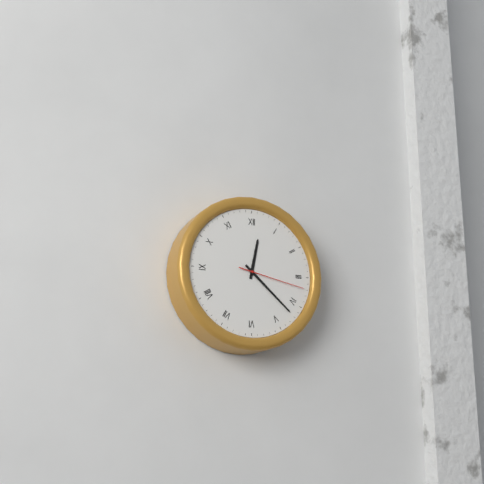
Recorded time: 12:22:17
